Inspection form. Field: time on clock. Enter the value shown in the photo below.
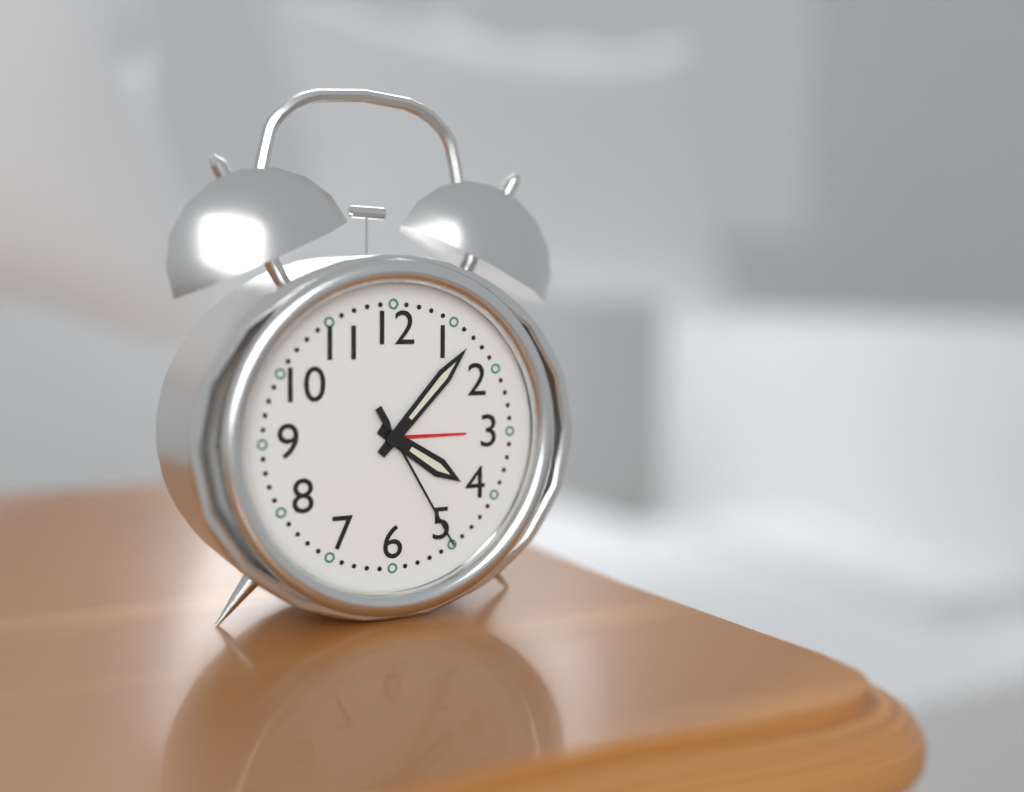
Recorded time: 4:07:25
